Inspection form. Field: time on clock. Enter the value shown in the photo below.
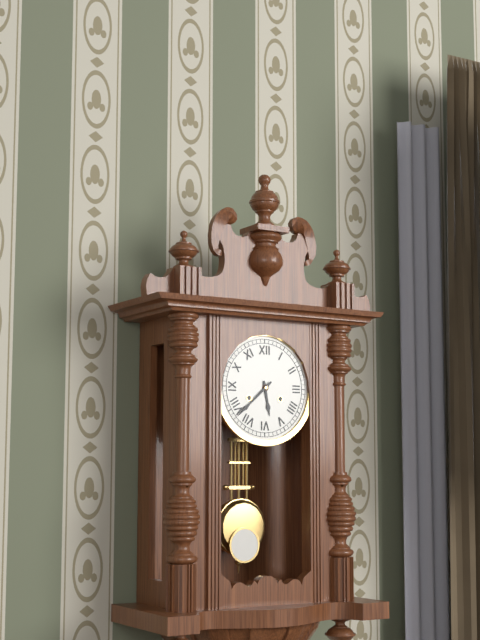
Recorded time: 5:38
